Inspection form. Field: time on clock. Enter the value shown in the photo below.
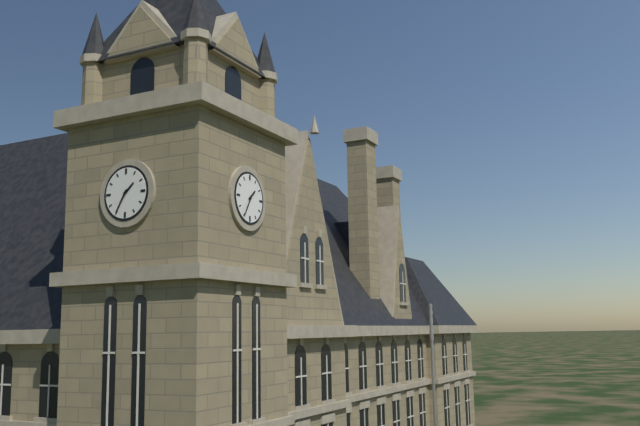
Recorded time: 1:35
